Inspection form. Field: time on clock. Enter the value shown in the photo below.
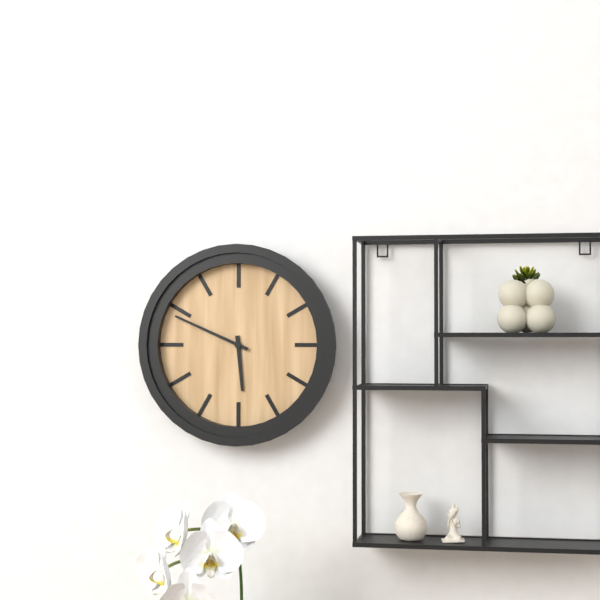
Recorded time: 5:49
